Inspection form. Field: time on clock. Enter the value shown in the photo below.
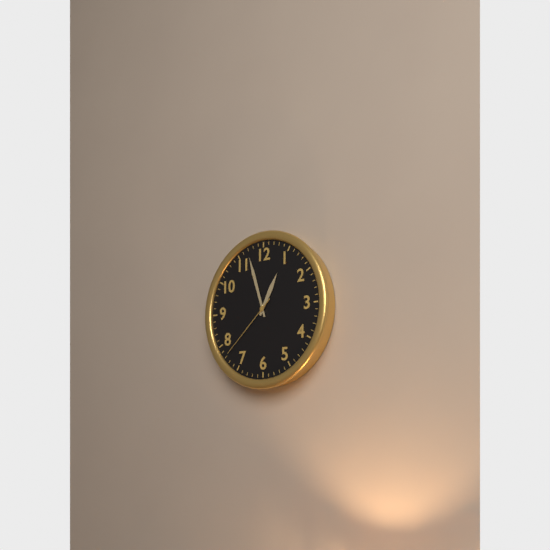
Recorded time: 12:57:38
